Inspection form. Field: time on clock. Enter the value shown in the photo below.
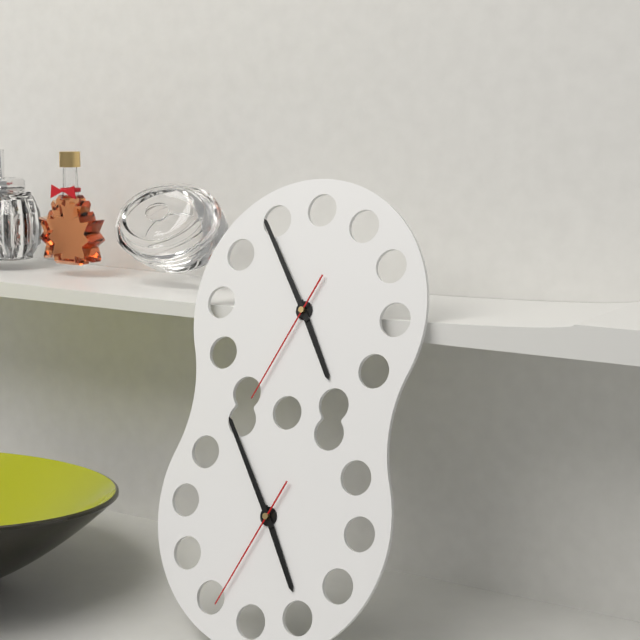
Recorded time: 4:54:34
